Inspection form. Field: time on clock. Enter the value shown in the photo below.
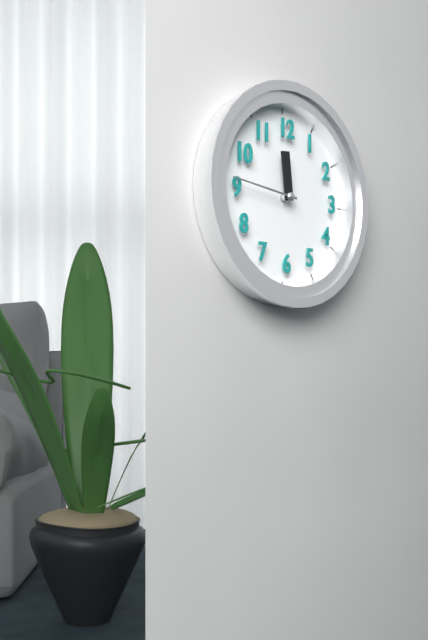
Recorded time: 11:46
